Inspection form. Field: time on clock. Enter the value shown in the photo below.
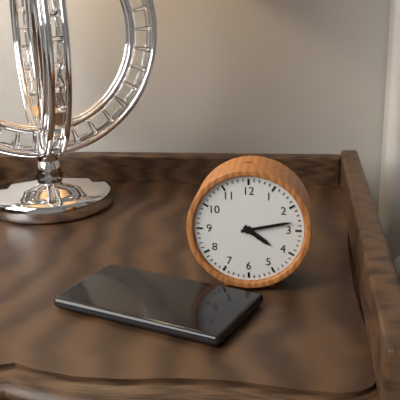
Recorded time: 4:13
